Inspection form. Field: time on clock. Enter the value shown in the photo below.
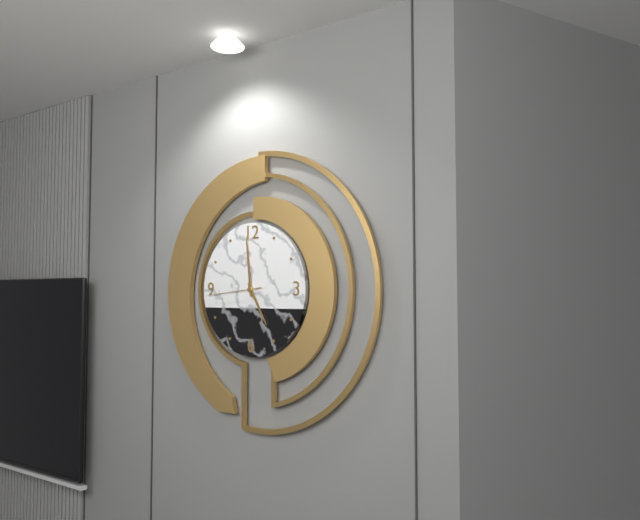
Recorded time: 4:59:44
